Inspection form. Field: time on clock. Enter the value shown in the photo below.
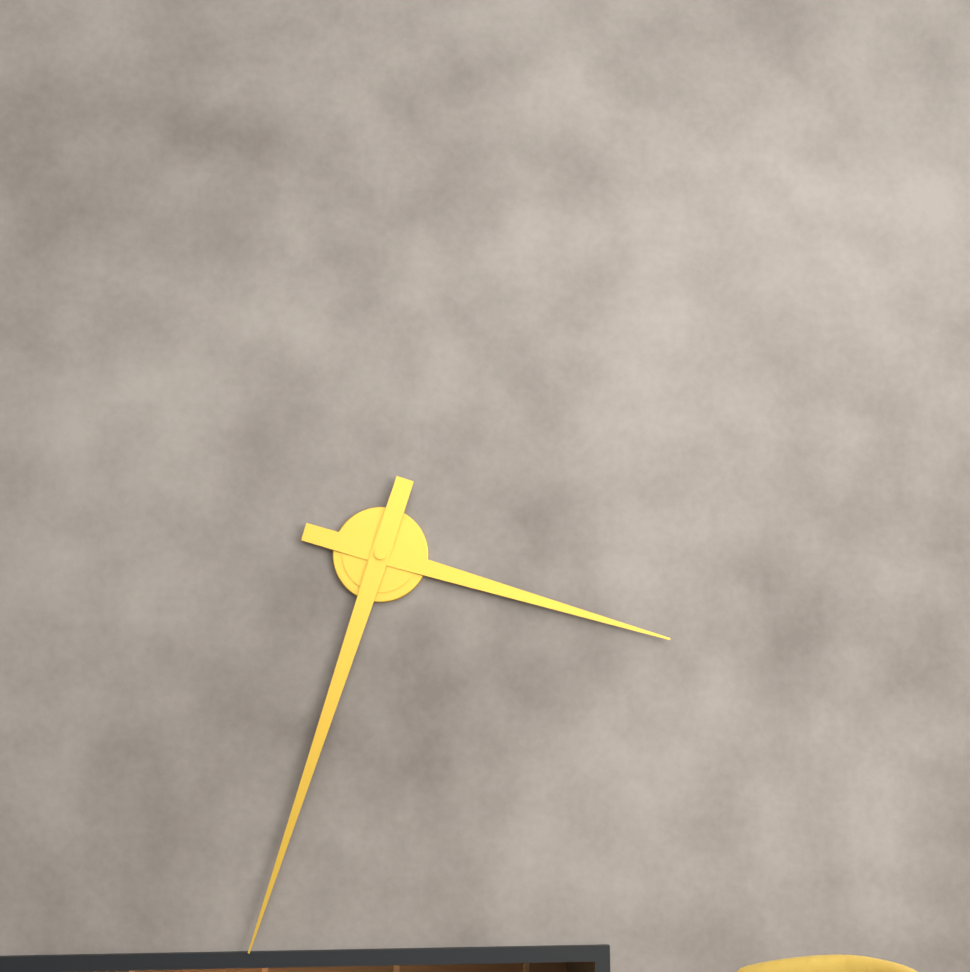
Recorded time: 3:33
